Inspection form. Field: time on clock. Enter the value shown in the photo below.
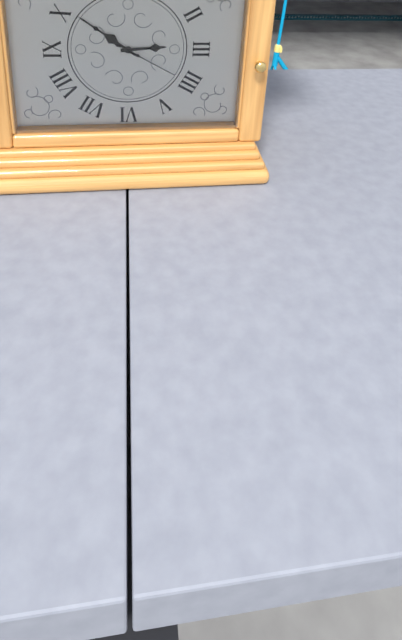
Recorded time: 2:51:20
